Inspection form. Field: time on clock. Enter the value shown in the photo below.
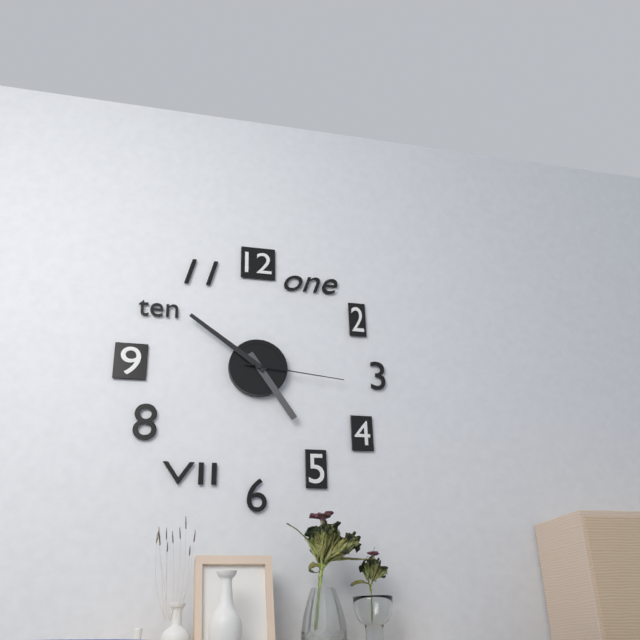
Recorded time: 4:51:16
